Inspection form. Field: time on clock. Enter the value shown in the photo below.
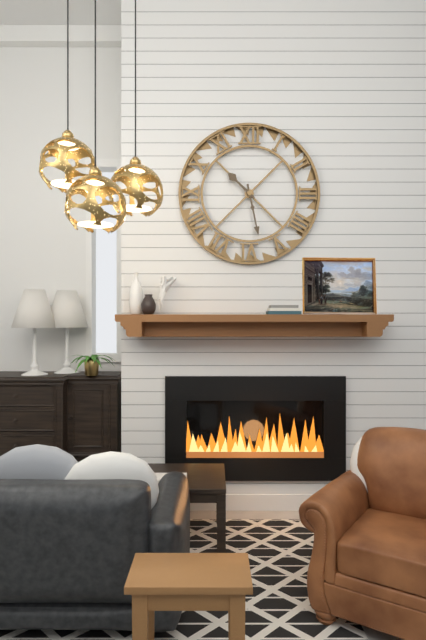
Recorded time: 10:28
